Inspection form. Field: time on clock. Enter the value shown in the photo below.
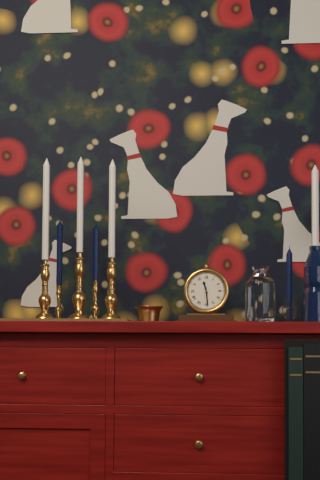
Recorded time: 11:29
